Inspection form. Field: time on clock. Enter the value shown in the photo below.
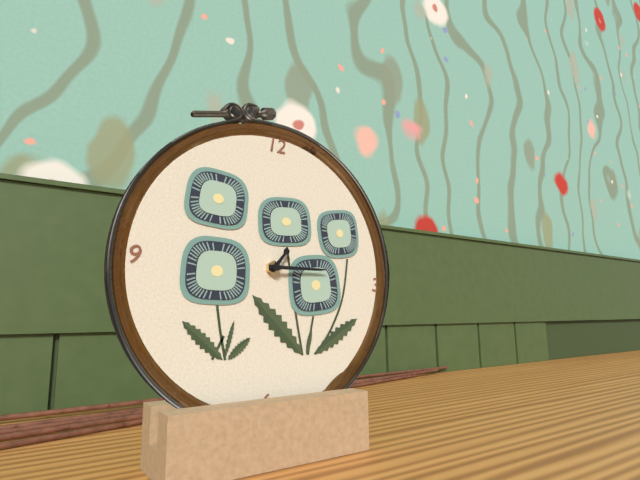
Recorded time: 1:15
